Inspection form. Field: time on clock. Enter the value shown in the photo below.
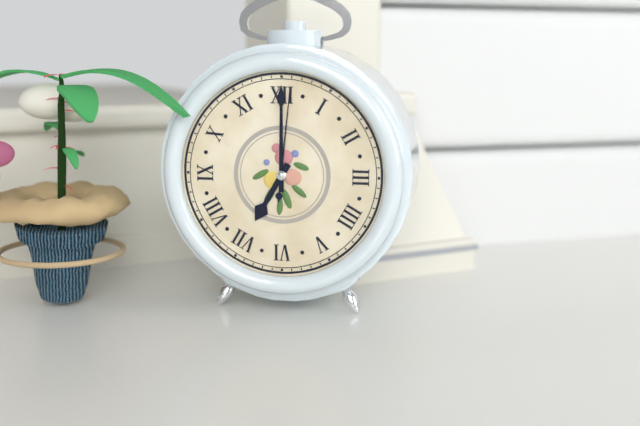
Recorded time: 7:00:01
